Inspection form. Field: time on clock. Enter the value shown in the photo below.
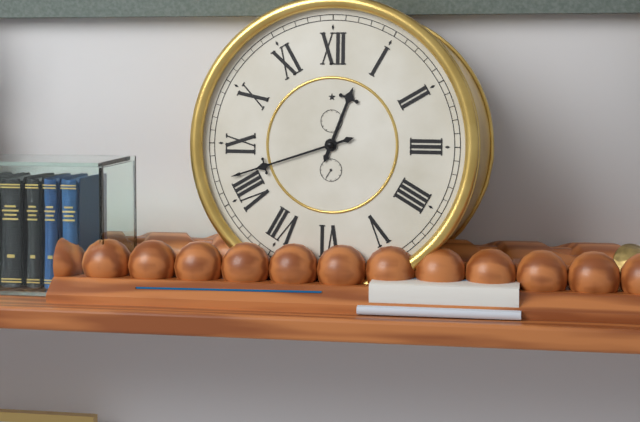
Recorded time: 12:42
